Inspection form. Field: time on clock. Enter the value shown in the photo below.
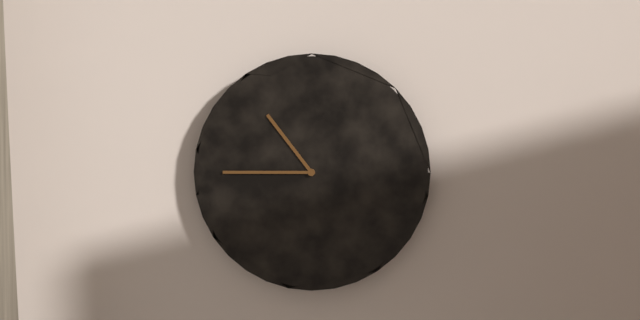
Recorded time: 10:45
